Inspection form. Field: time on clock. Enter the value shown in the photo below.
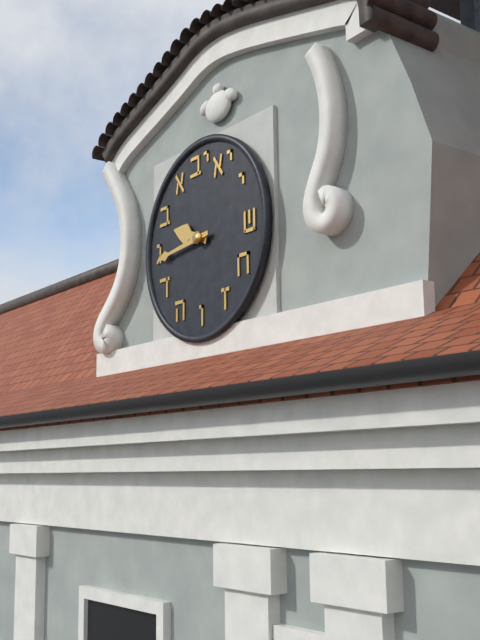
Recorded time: 9:44
